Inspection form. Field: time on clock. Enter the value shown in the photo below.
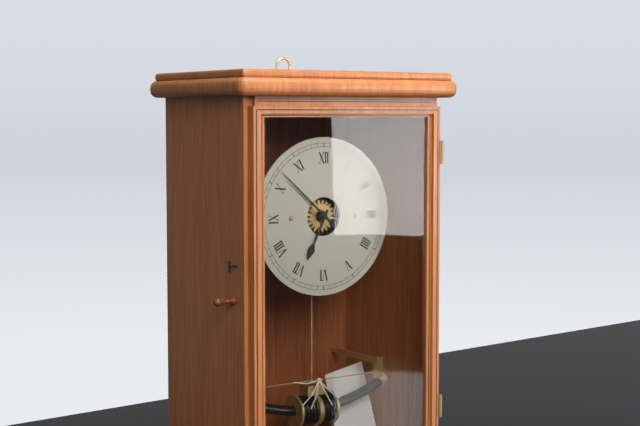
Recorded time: 6:52
